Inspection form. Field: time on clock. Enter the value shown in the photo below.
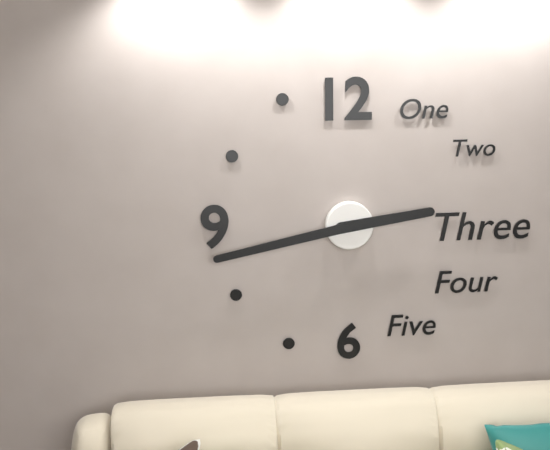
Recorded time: 2:43
